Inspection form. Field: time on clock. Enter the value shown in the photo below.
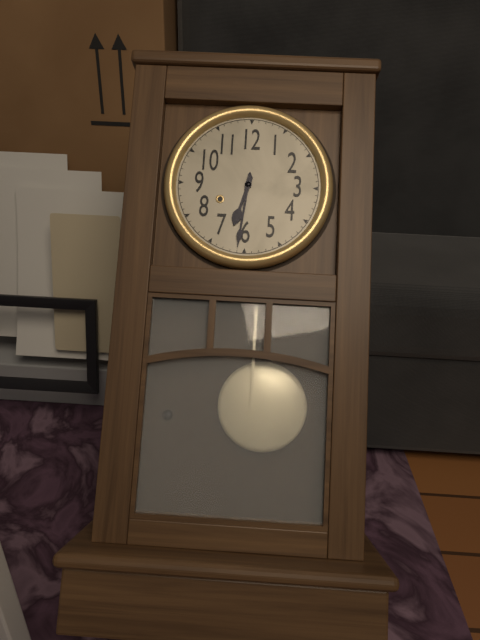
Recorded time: 6:31
